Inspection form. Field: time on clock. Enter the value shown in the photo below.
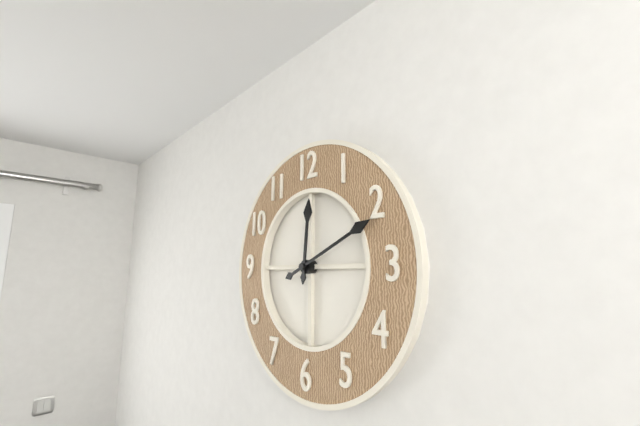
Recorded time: 12:11
